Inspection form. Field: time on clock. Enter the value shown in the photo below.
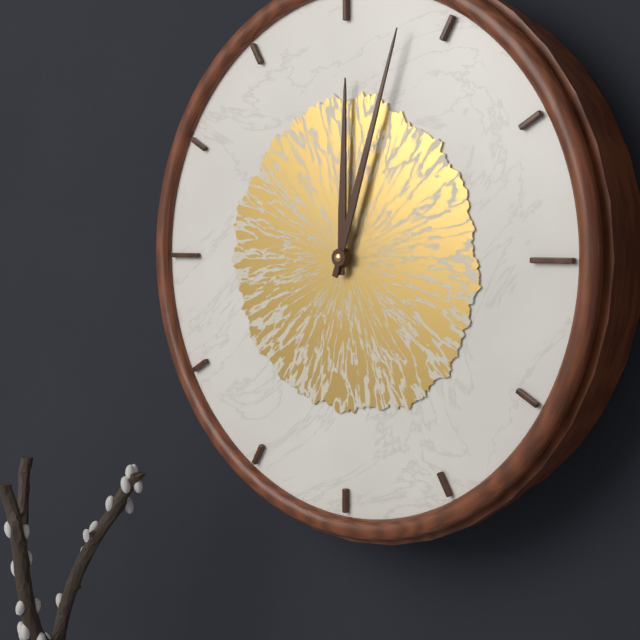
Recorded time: 12:03
